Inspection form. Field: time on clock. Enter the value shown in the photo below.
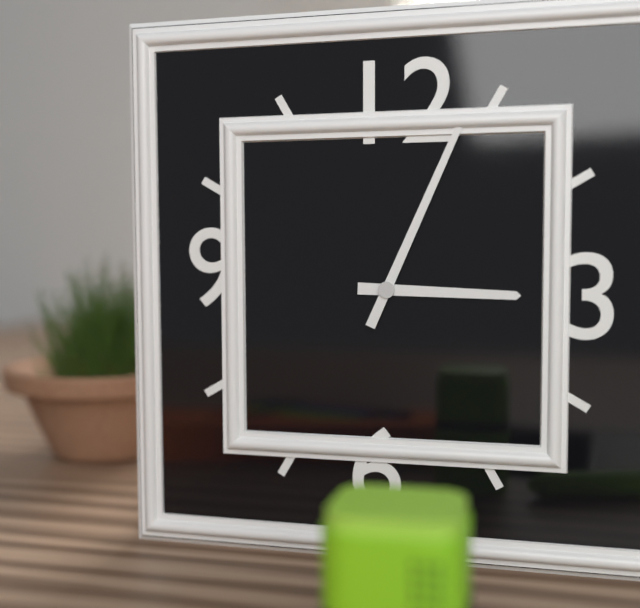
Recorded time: 3:04
